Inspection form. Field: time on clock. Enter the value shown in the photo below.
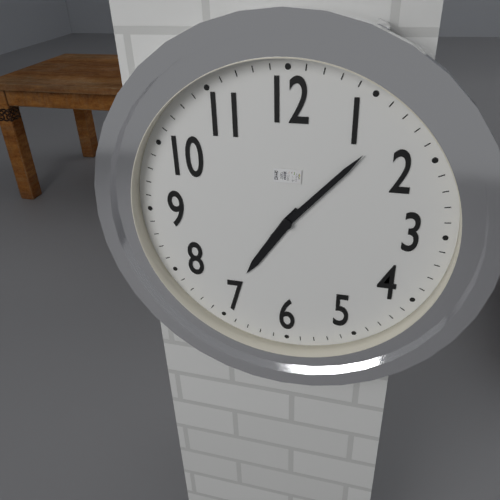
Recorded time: 7:07
